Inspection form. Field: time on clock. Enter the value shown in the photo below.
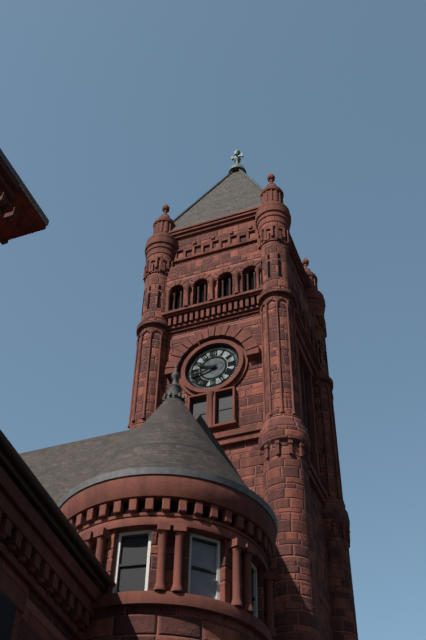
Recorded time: 9:42
